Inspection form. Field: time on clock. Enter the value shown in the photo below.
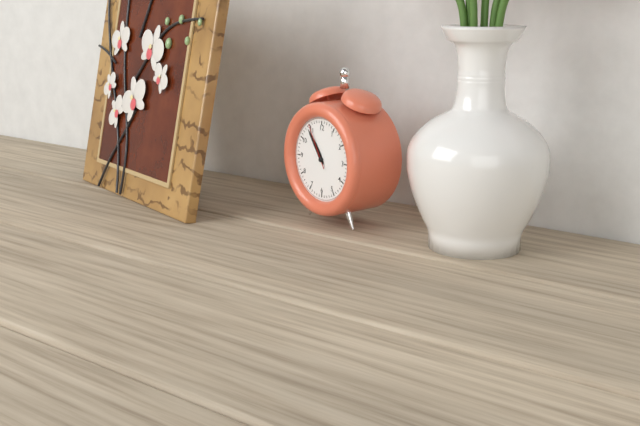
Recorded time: 10:54
